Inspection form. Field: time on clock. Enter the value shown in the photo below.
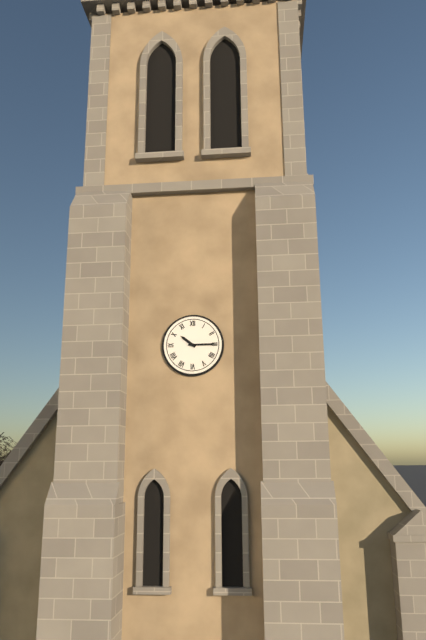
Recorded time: 10:15
